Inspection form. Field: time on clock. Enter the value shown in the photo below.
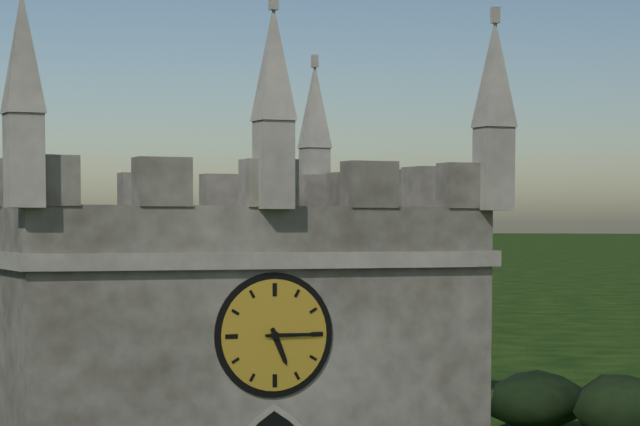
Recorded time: 5:15
